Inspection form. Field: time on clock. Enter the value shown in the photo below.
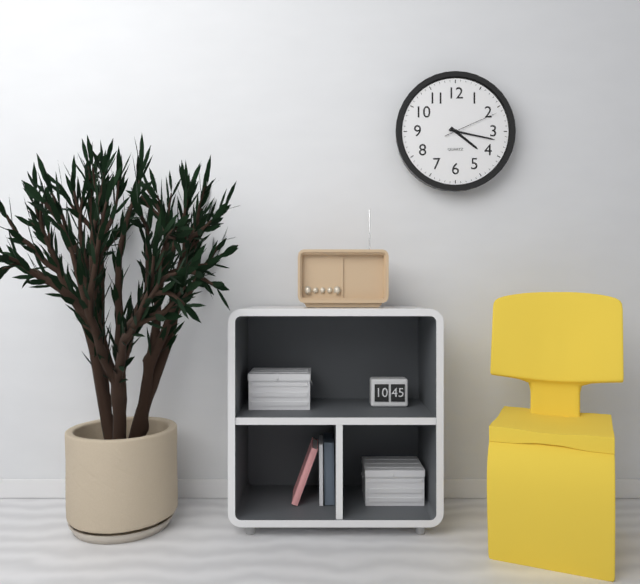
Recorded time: 4:17:11
